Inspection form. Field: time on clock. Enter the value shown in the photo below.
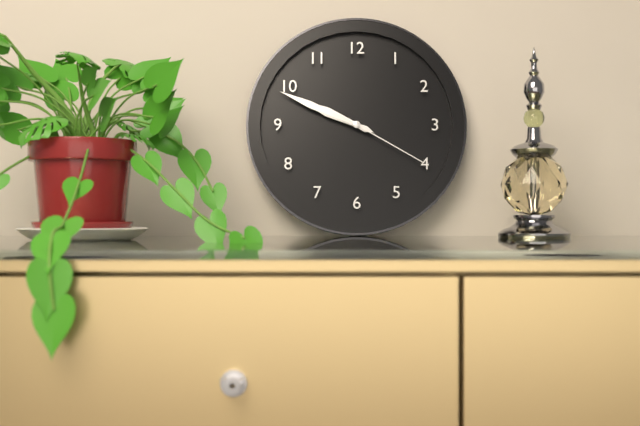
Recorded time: 9:49:20
